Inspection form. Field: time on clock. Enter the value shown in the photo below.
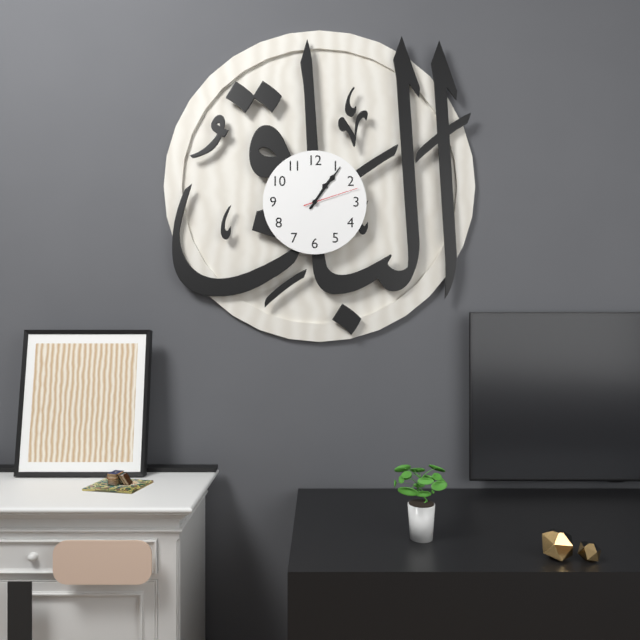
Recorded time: 1:06:12
